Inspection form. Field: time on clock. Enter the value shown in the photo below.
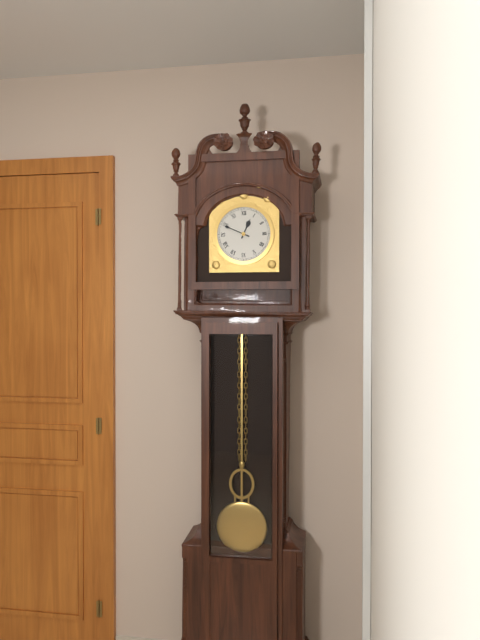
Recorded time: 12:49
